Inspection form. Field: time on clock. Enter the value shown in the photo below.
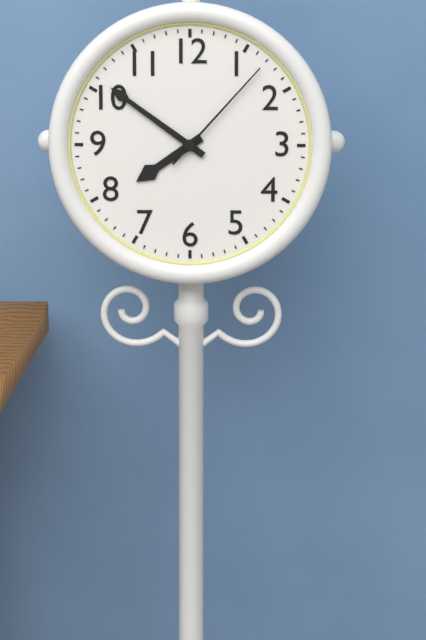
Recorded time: 7:51:07
